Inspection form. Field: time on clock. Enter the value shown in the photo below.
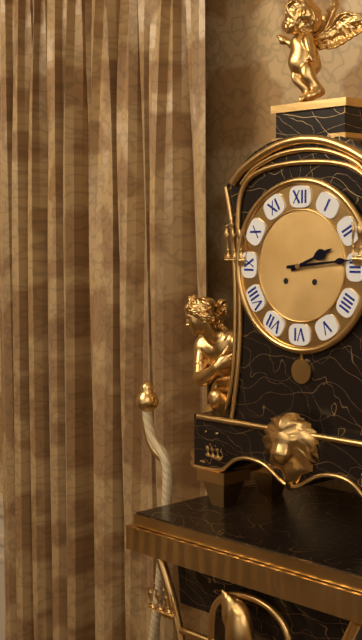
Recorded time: 2:14
